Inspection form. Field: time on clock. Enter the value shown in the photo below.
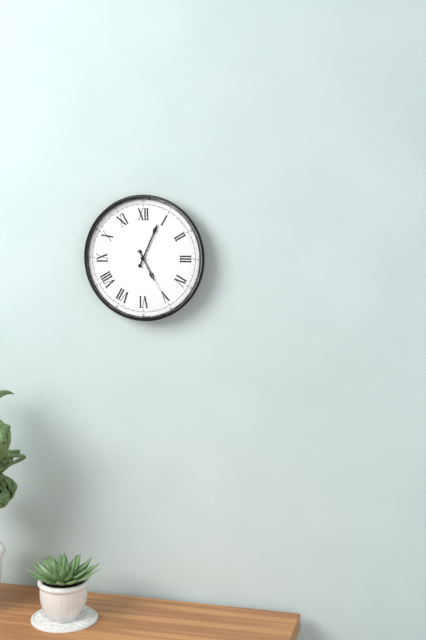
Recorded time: 5:04:25
